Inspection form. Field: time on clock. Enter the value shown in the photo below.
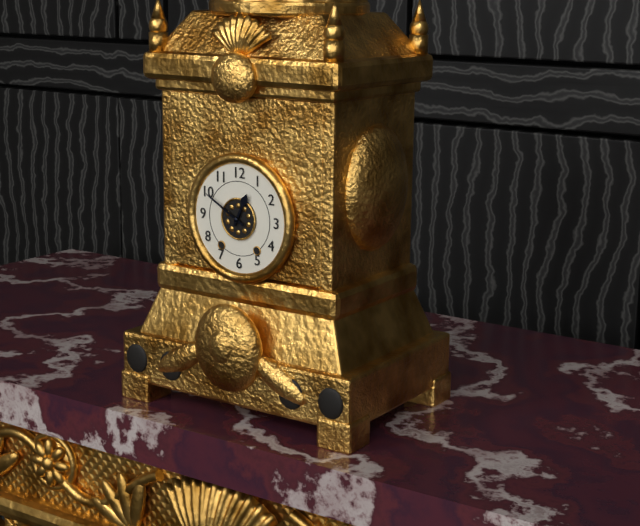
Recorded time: 12:50
